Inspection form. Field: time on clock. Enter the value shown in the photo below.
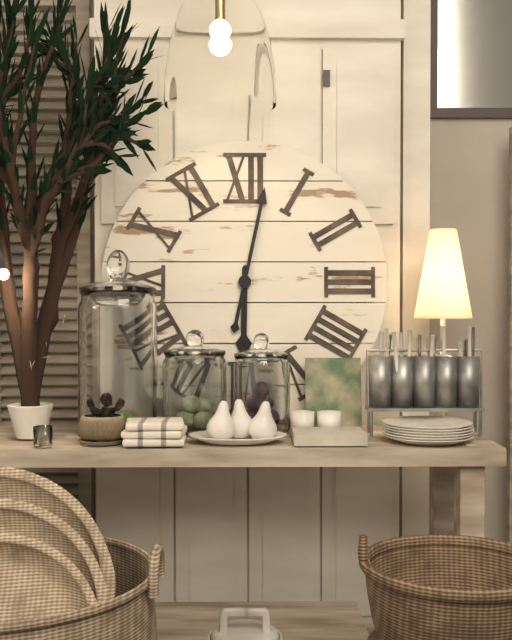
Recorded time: 6:02
